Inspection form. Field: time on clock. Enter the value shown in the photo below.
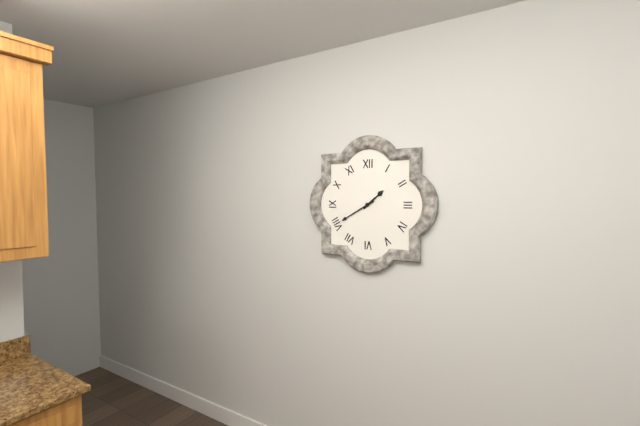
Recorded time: 1:40
